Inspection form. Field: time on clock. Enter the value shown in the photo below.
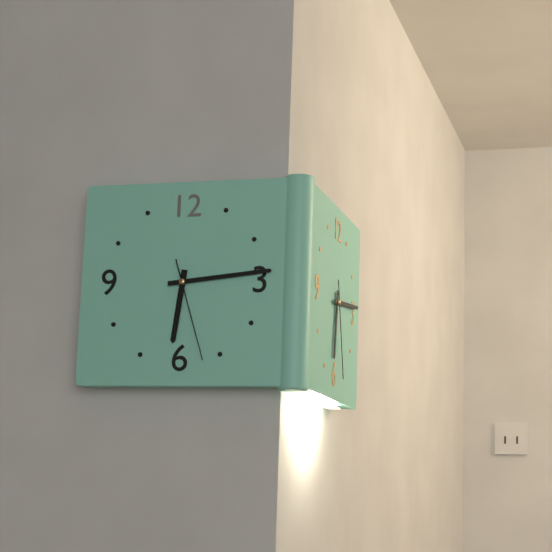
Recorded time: 6:14:27
